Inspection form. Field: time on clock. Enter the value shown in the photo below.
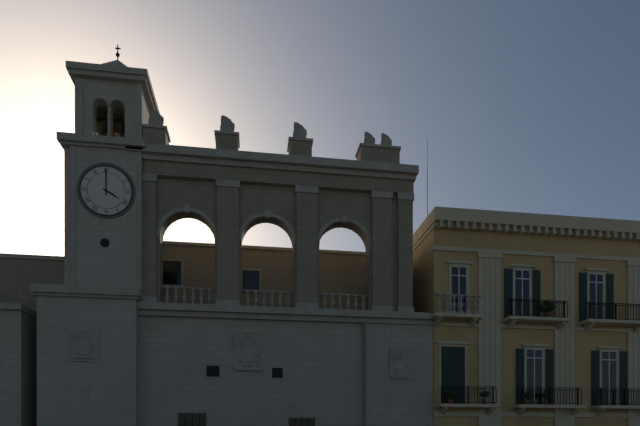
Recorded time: 4:00
